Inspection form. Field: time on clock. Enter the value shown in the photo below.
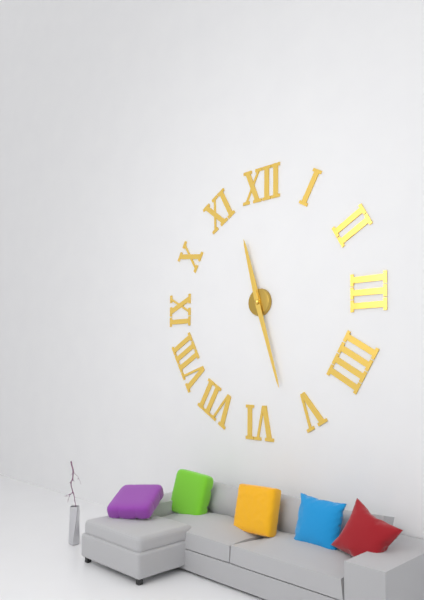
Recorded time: 11:27
